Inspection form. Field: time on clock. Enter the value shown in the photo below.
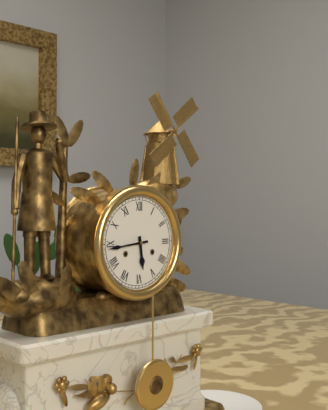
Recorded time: 5:44
